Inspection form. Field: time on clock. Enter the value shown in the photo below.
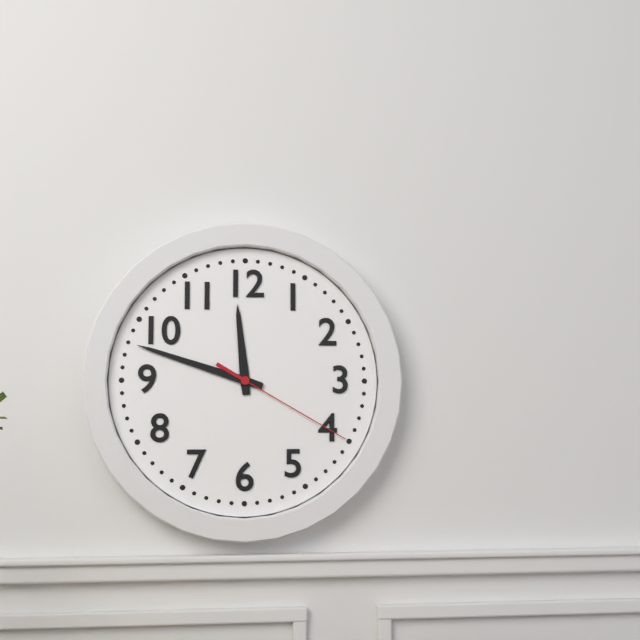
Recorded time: 11:48:20
